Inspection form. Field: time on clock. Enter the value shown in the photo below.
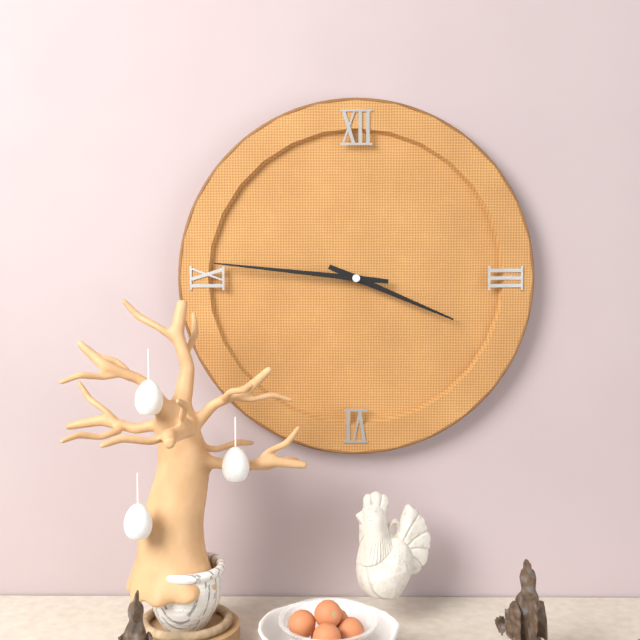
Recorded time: 3:46
